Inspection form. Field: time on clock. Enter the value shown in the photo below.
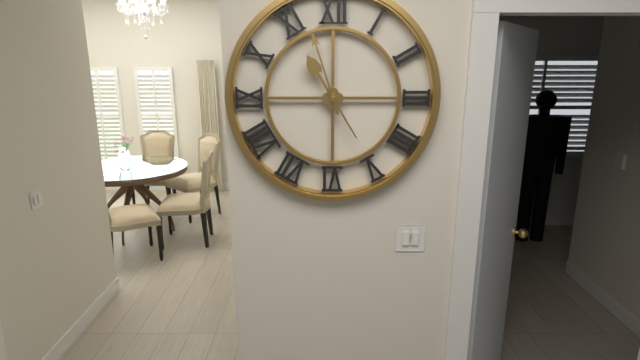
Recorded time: 10:57
